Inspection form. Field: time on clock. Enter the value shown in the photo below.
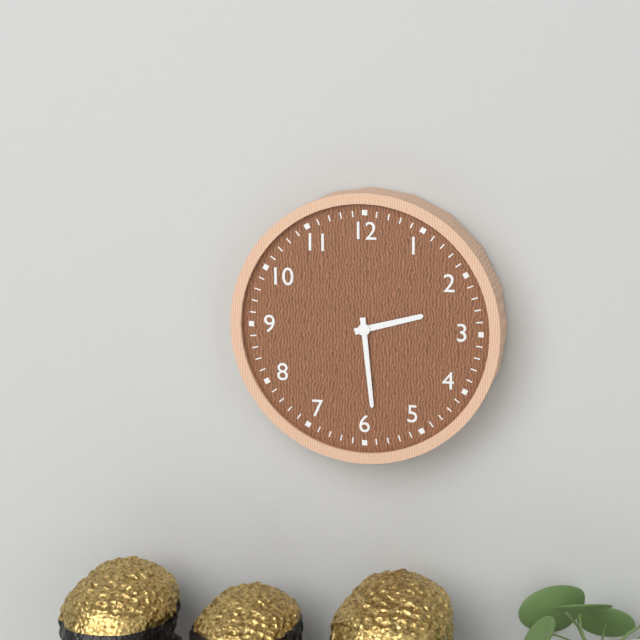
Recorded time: 2:29
